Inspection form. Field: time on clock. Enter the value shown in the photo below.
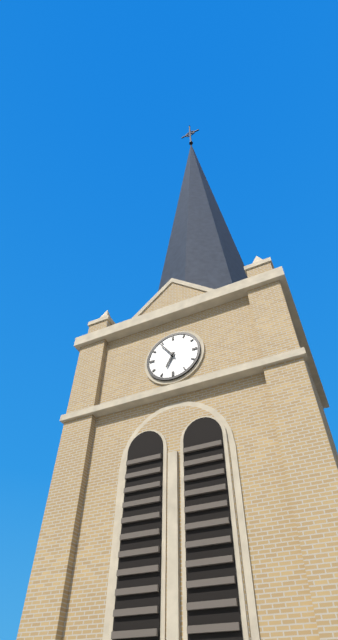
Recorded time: 6:54
